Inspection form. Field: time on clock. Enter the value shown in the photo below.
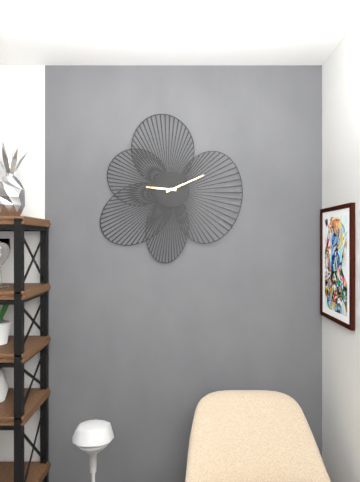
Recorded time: 9:11
